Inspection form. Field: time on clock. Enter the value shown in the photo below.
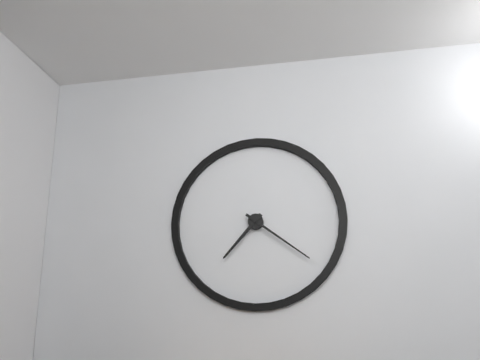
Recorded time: 7:21
